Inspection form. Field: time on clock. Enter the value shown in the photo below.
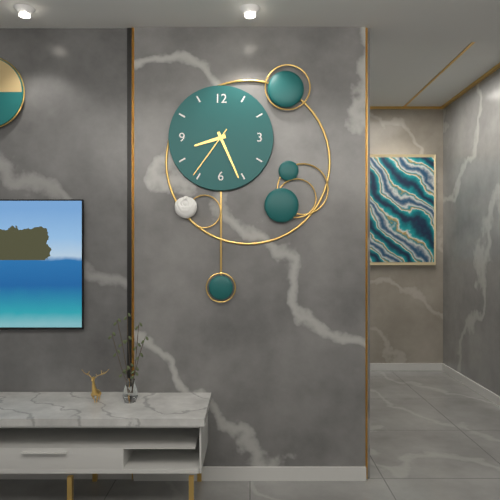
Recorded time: 8:26:36
